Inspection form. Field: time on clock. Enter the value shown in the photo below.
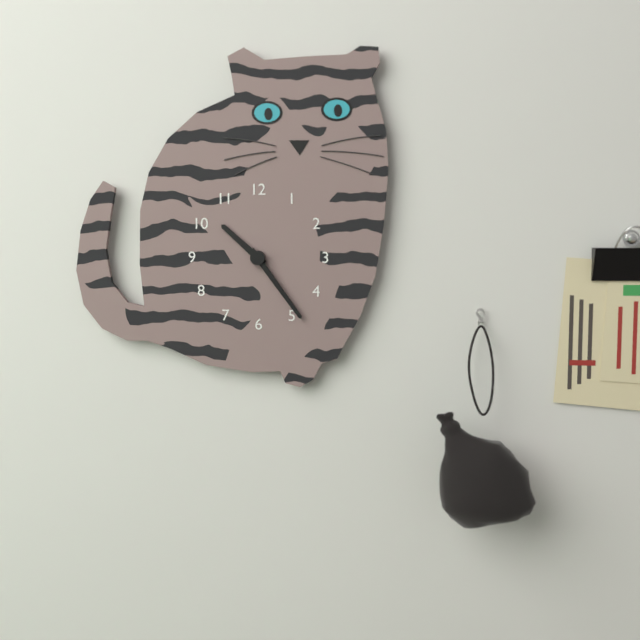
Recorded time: 10:24
